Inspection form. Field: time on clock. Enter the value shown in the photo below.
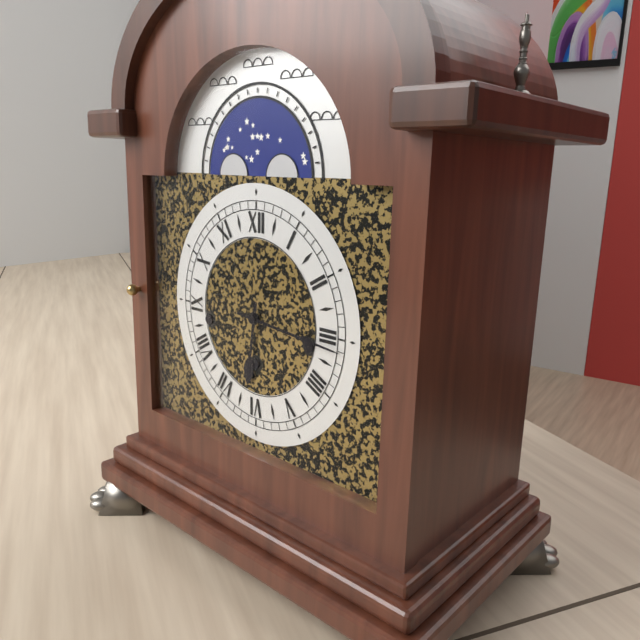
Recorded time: 6:16
